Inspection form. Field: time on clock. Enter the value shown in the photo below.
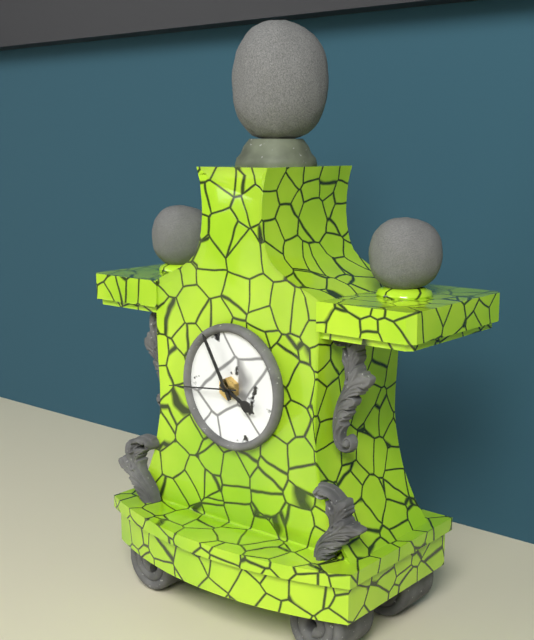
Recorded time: 3:55:44
